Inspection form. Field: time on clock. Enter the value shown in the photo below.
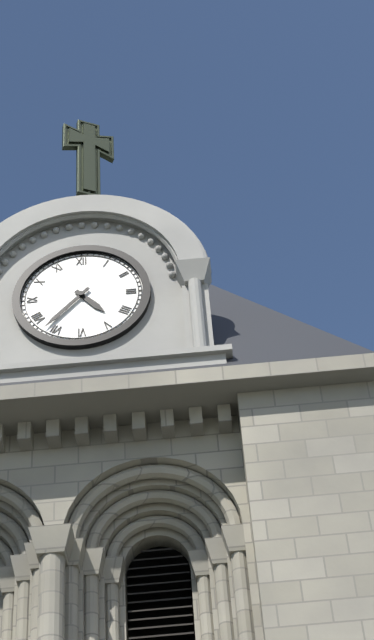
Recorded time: 4:37
